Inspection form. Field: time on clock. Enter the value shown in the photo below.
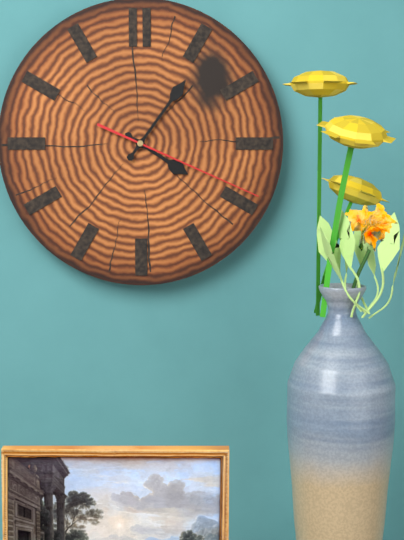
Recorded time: 4:06:19
